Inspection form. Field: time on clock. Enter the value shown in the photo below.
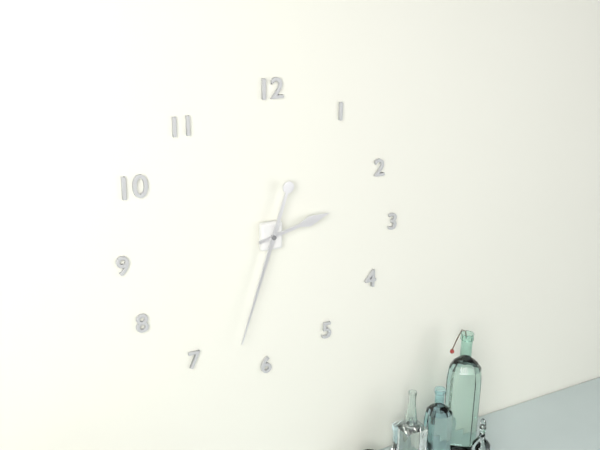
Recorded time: 2:33
